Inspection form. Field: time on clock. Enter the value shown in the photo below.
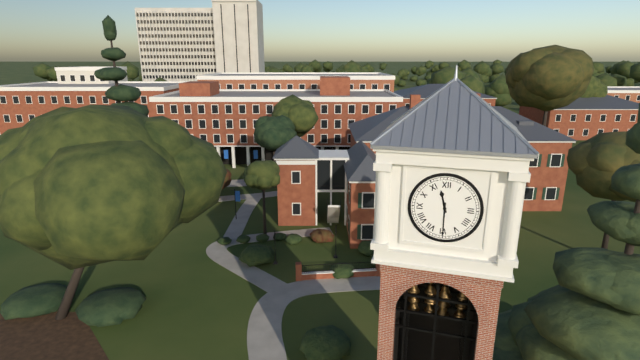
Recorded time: 11:30
